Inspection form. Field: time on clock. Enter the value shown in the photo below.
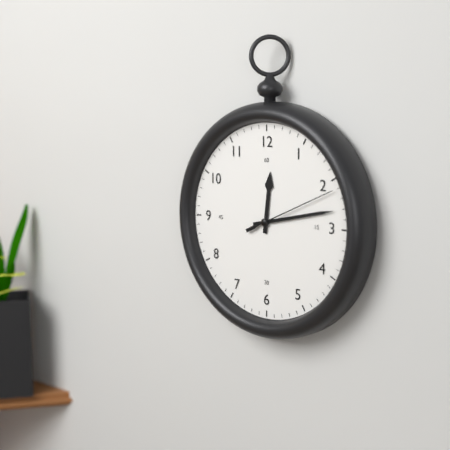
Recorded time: 12:13:11
